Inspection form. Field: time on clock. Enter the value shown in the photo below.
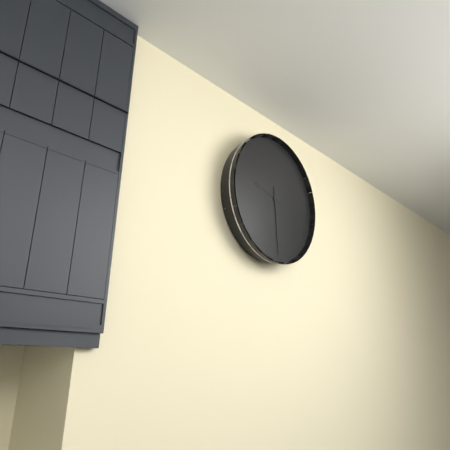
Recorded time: 9:29
